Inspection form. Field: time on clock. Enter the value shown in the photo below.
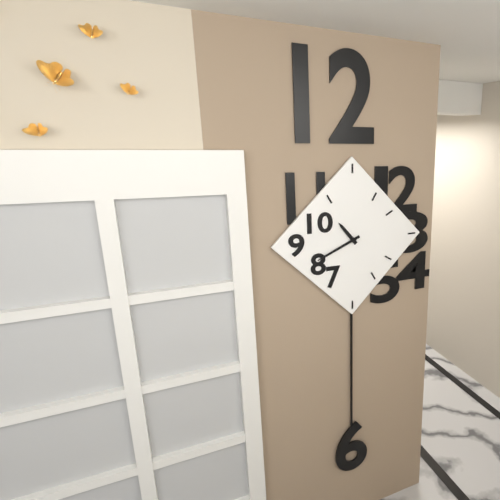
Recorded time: 10:41
